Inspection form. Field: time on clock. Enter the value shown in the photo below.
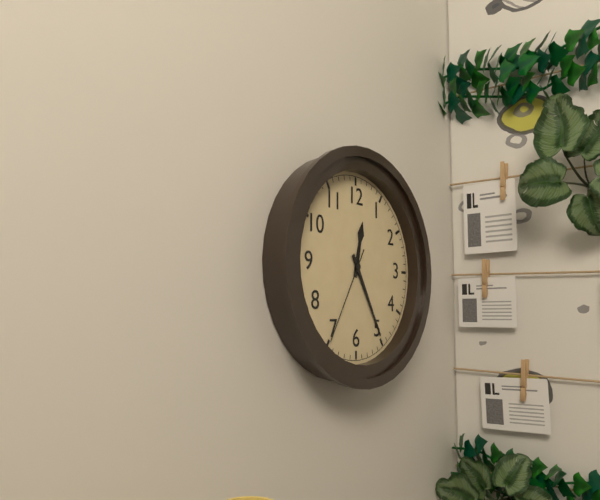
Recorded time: 12:25:35
